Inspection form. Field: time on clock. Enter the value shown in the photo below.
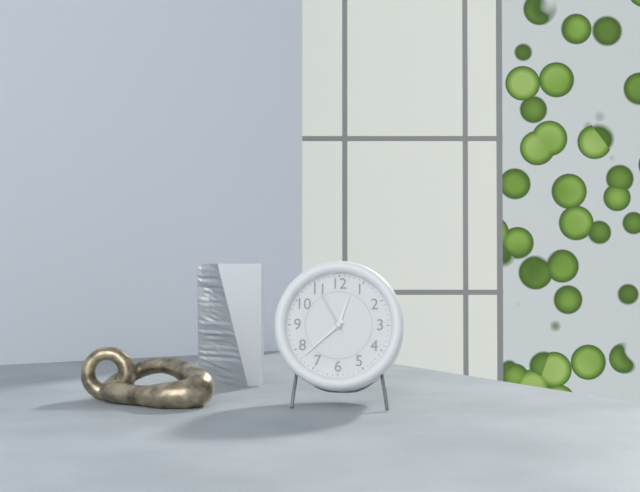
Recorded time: 12:38
